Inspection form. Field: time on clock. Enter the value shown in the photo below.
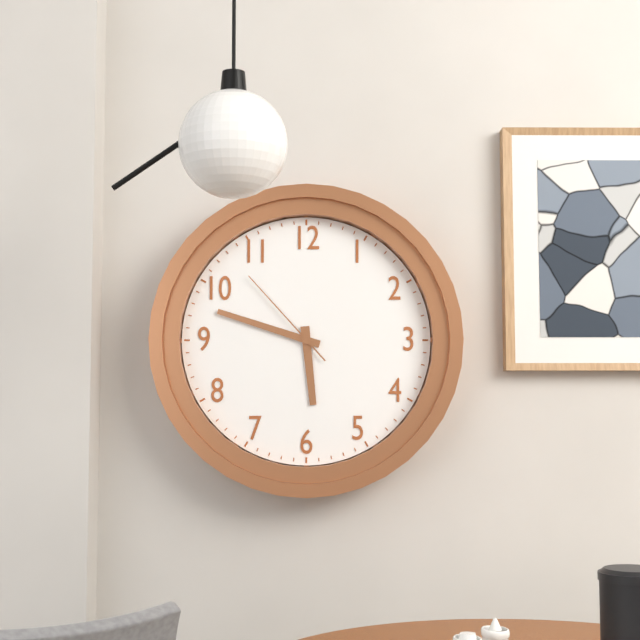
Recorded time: 5:48:53
